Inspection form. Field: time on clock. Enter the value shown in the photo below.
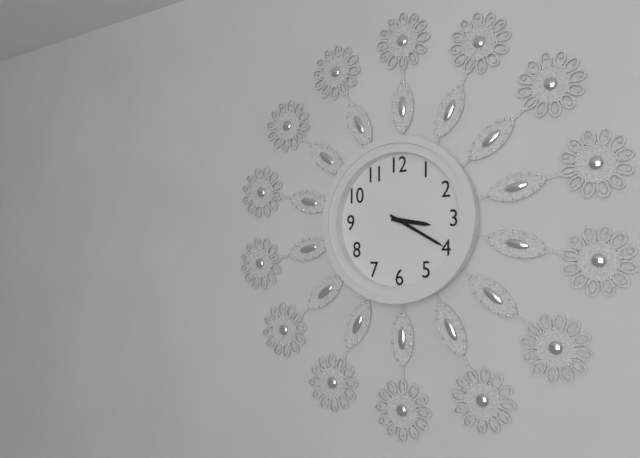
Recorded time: 3:20
